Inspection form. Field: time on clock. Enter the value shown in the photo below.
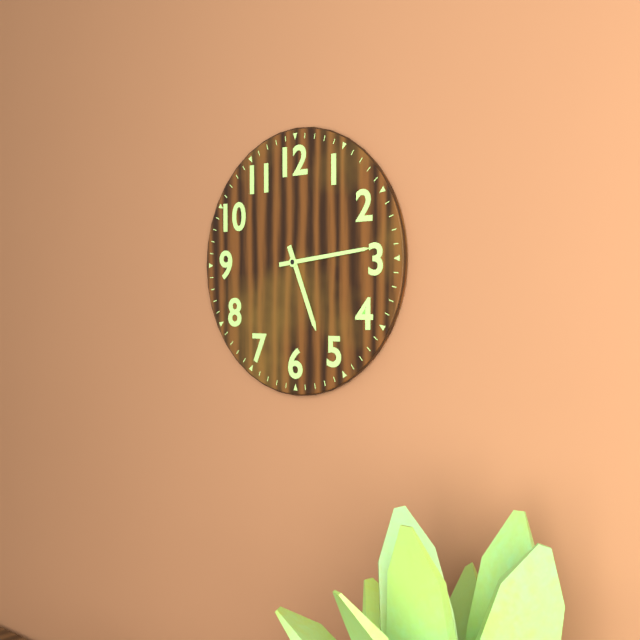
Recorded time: 5:14
